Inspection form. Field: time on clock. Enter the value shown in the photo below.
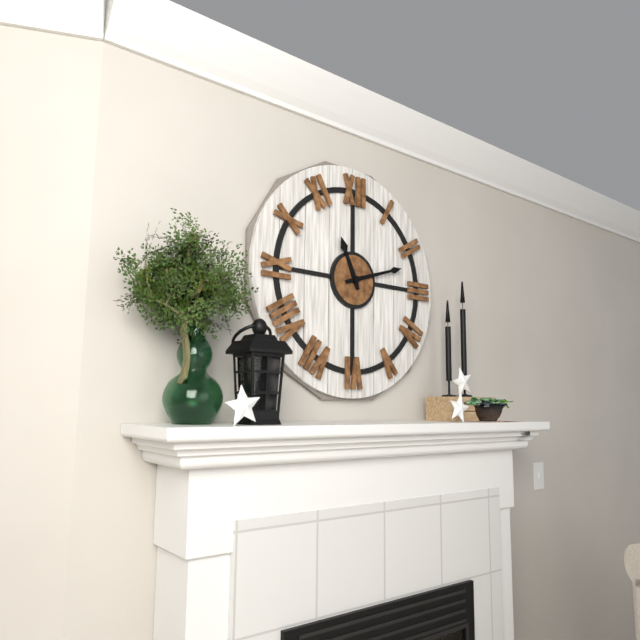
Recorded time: 11:12
